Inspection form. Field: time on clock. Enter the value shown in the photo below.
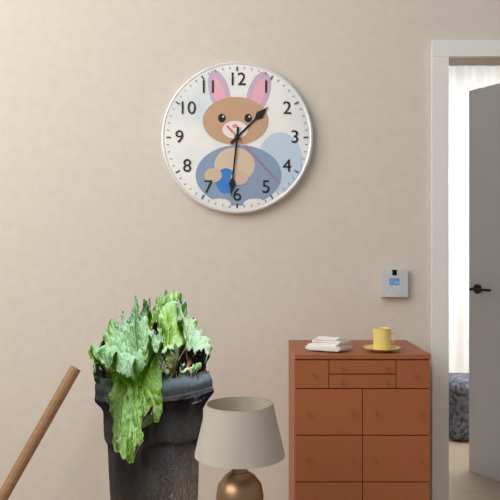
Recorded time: 1:31:23
